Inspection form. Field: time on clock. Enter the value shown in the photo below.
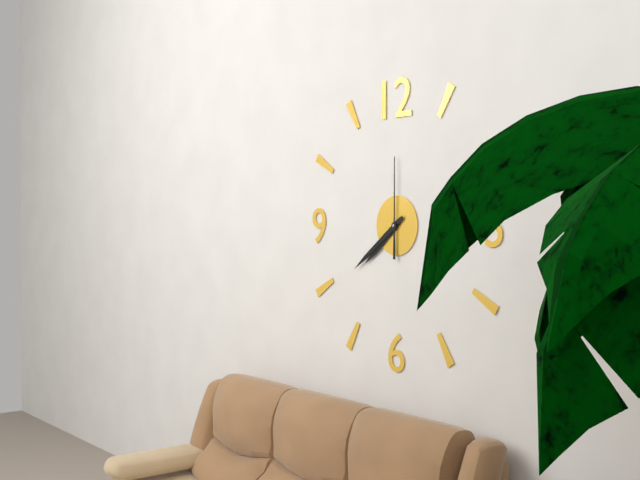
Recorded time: 7:39:00
